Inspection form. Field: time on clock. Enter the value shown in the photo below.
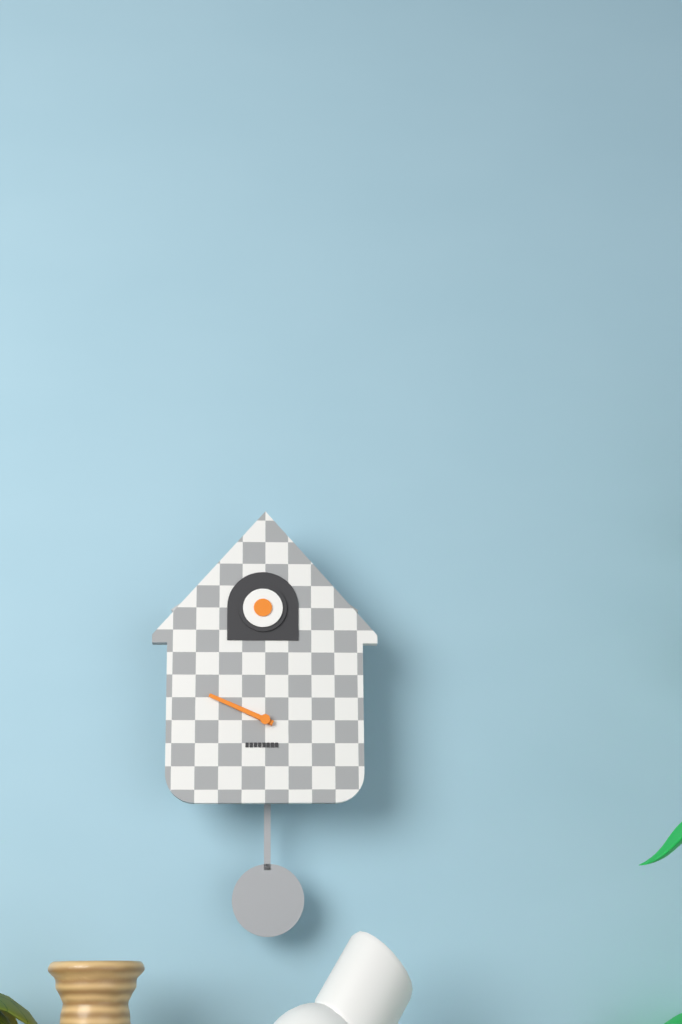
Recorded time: 9:49
